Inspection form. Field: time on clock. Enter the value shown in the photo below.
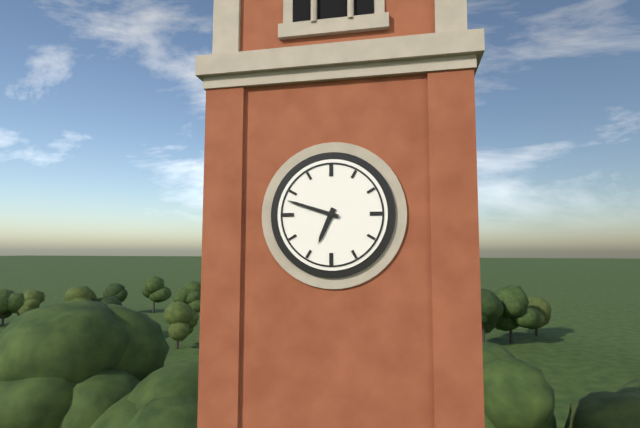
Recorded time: 6:48
